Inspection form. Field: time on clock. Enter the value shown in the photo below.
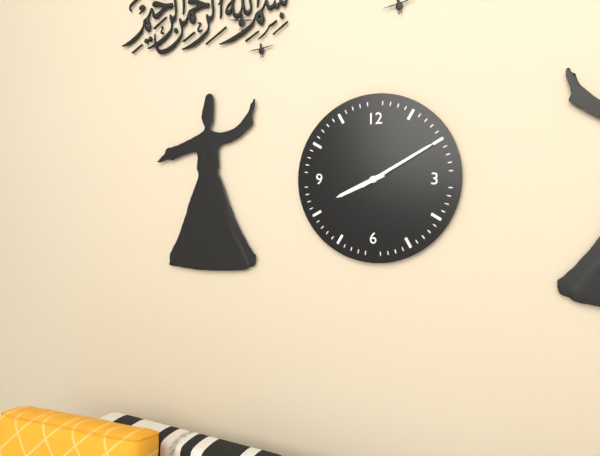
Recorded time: 8:10
